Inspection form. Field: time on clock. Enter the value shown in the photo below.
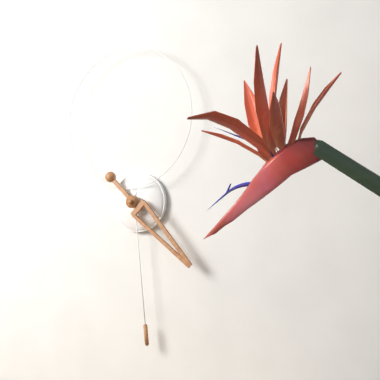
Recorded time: 4:29
